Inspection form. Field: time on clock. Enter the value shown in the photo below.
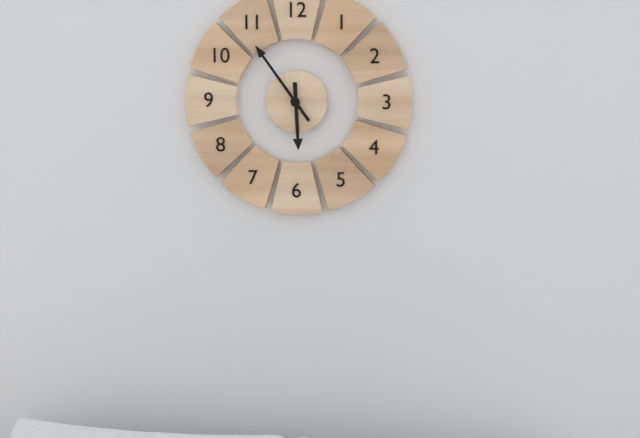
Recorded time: 5:54
